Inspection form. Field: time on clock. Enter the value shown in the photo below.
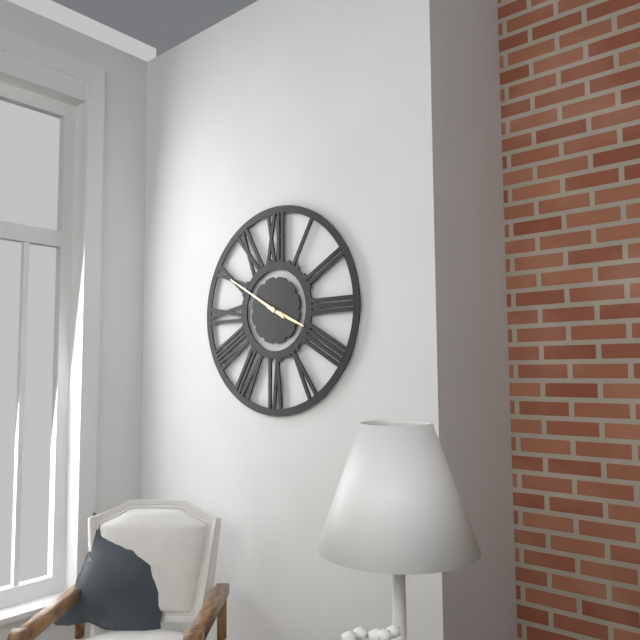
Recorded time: 3:50
